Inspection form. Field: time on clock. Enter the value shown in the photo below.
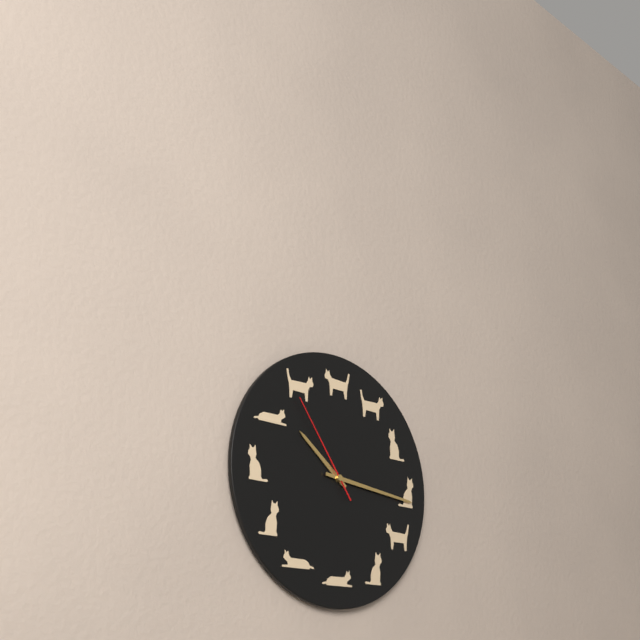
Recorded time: 10:16:54
